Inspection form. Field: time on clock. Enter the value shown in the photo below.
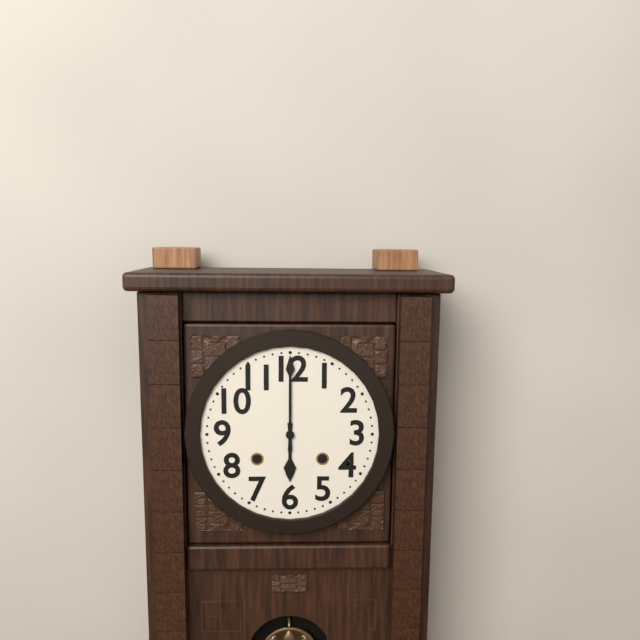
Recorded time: 6:00
